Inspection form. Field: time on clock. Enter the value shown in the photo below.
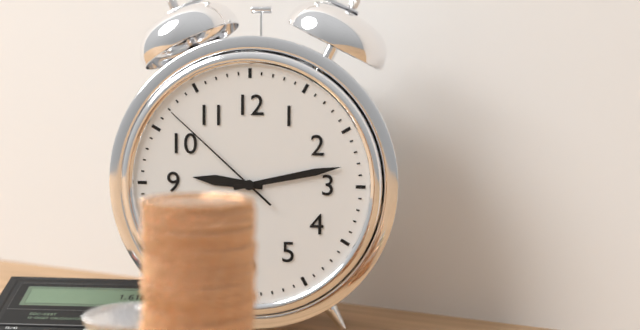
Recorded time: 9:13:52
